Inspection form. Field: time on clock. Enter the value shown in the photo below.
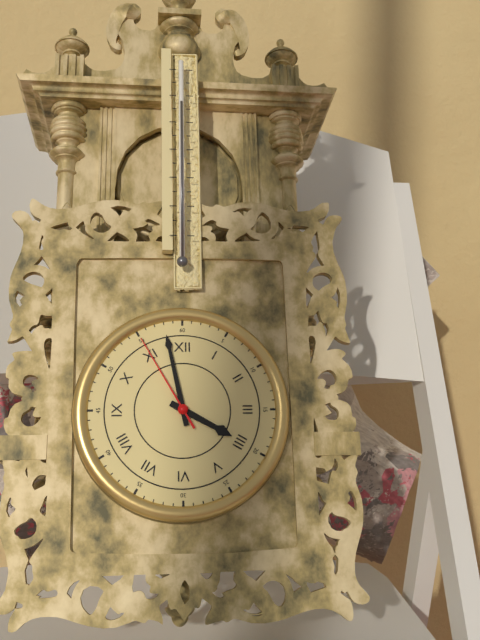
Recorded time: 3:58:55
